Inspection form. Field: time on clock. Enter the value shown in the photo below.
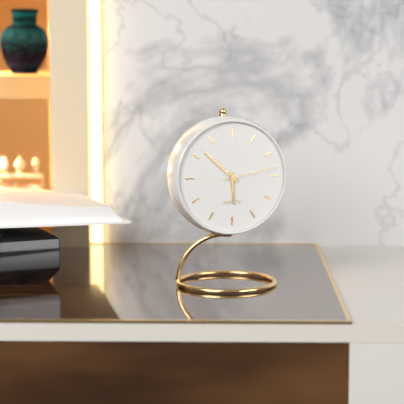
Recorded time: 5:52:13
